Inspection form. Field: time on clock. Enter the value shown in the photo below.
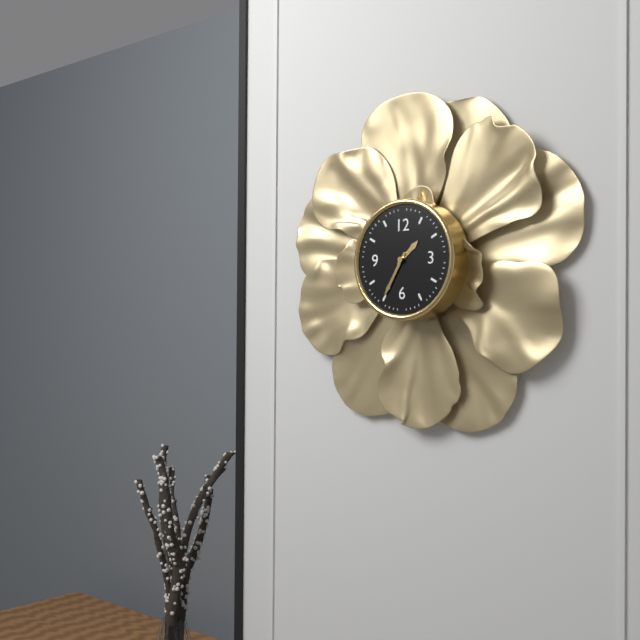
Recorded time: 1:35
